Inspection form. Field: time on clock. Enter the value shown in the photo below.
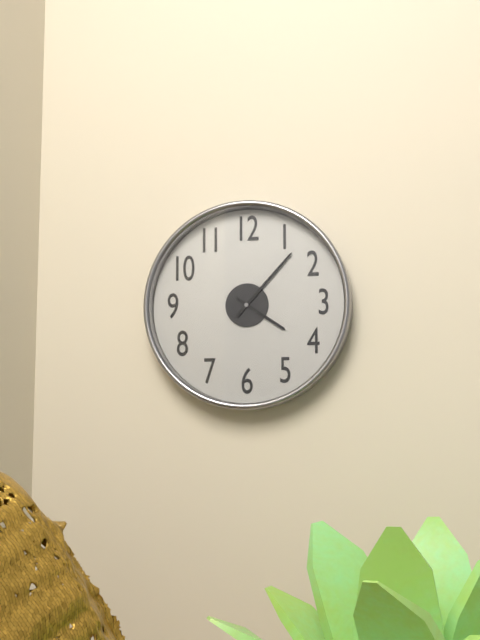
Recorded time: 4:07
